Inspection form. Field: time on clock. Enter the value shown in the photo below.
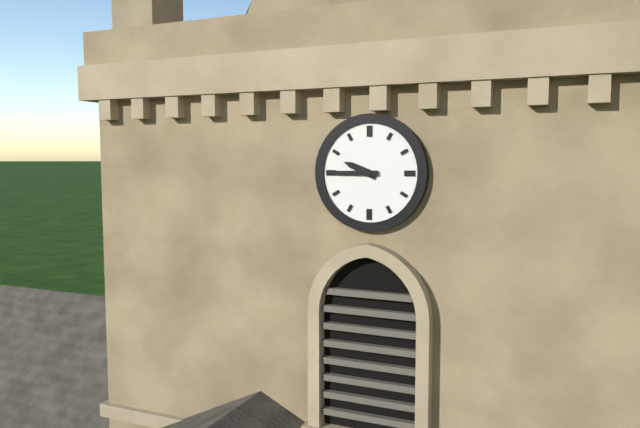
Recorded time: 9:45
